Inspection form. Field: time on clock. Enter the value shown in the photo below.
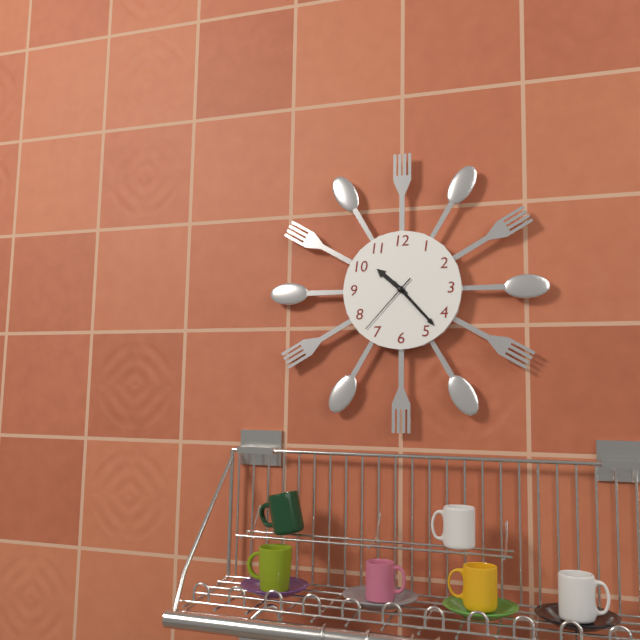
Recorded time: 10:23:37
